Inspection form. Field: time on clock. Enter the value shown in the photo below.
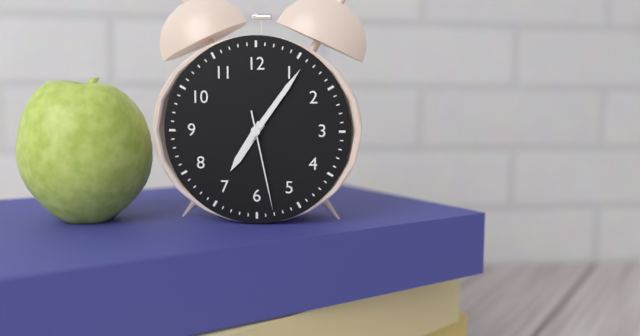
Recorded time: 7:06:28
